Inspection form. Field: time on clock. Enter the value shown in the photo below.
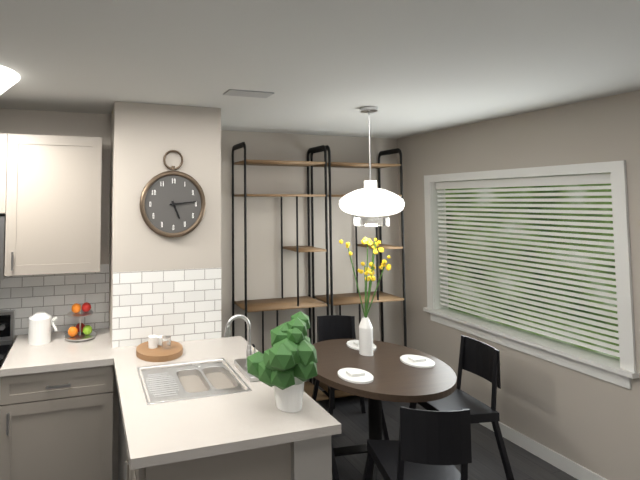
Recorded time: 5:14
